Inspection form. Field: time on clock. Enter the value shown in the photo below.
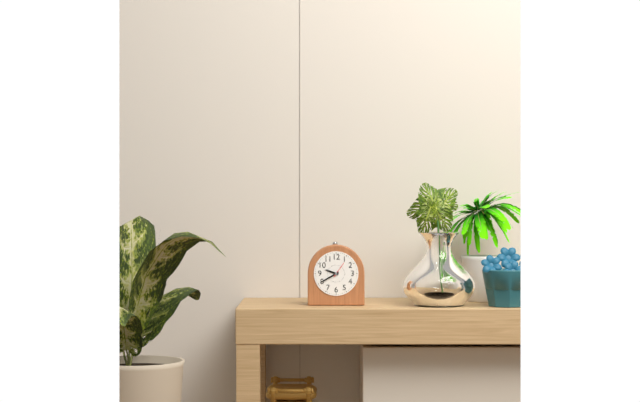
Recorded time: 9:40
